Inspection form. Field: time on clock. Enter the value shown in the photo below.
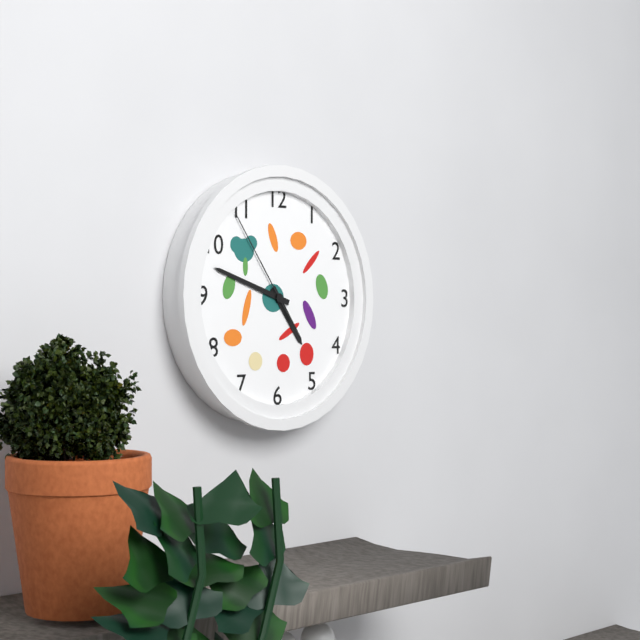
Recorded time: 4:48:54
